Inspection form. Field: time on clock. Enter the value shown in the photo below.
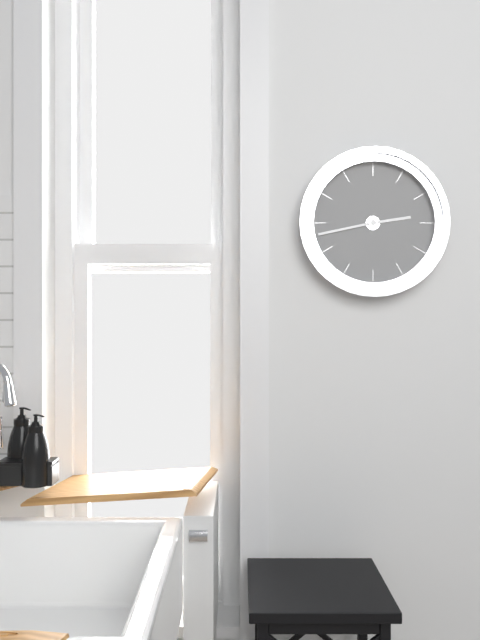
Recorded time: 2:43
